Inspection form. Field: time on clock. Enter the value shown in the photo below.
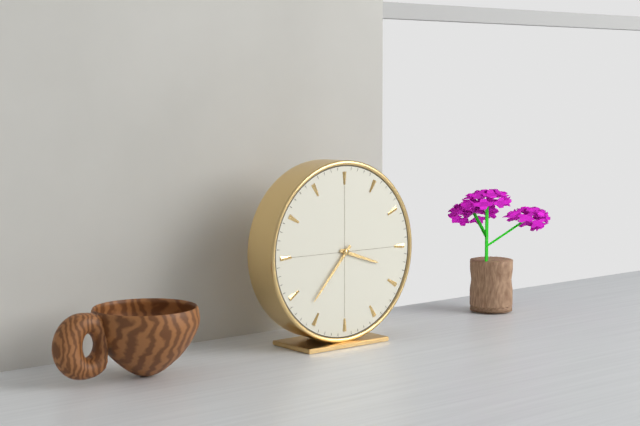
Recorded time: 3:37
